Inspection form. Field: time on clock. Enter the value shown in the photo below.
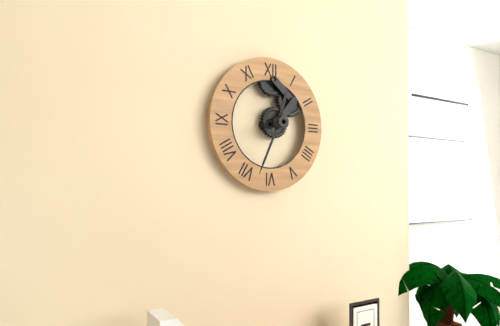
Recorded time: 12:34
